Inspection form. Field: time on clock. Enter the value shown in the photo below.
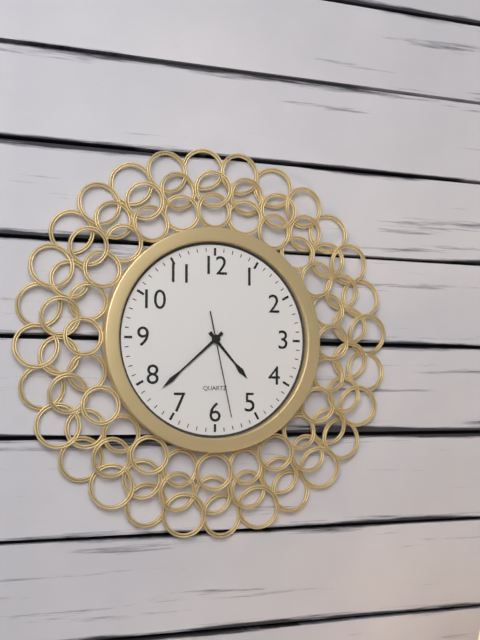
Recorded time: 4:38:28
